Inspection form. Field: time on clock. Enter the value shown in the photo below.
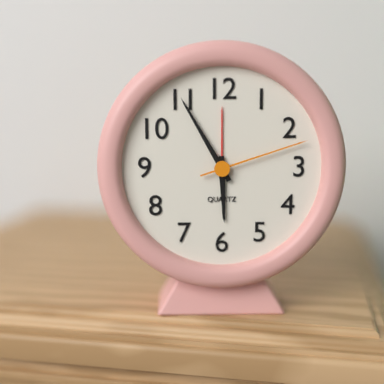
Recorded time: 5:55:12
